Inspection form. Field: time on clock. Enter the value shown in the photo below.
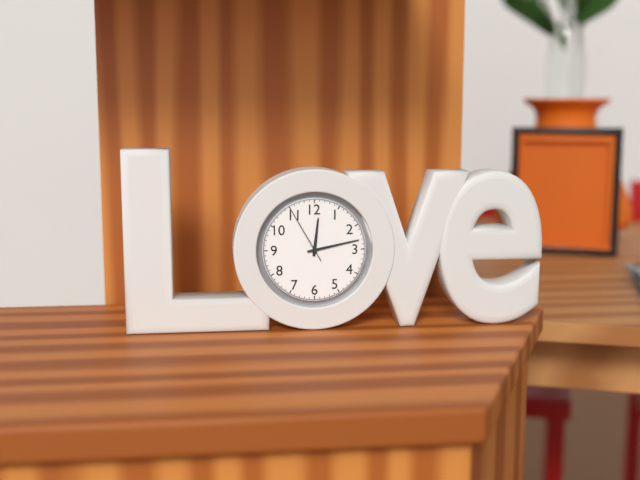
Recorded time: 12:13:55
